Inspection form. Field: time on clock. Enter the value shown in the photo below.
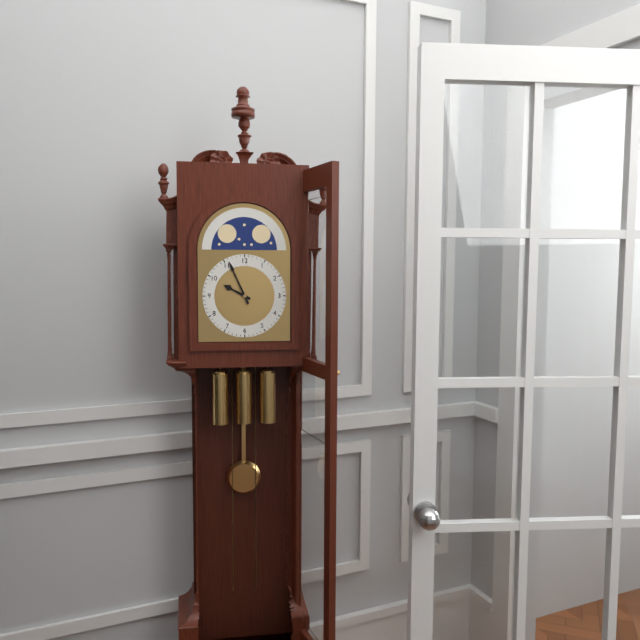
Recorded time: 9:56
